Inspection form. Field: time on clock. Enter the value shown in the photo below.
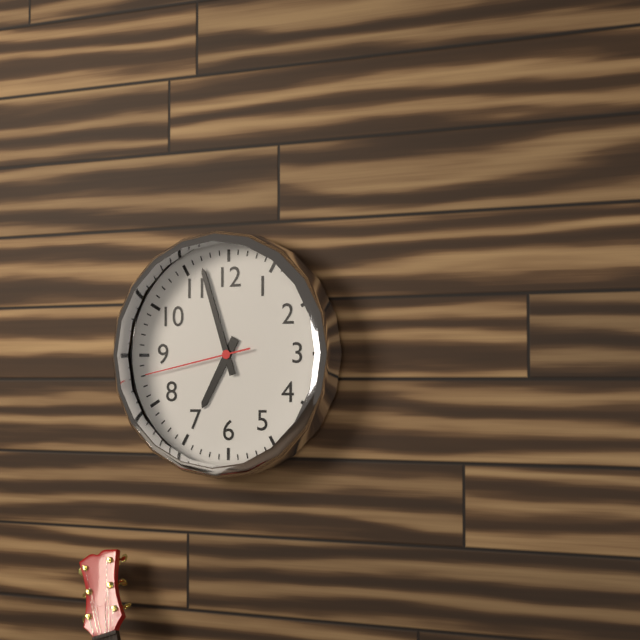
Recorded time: 6:57:43
